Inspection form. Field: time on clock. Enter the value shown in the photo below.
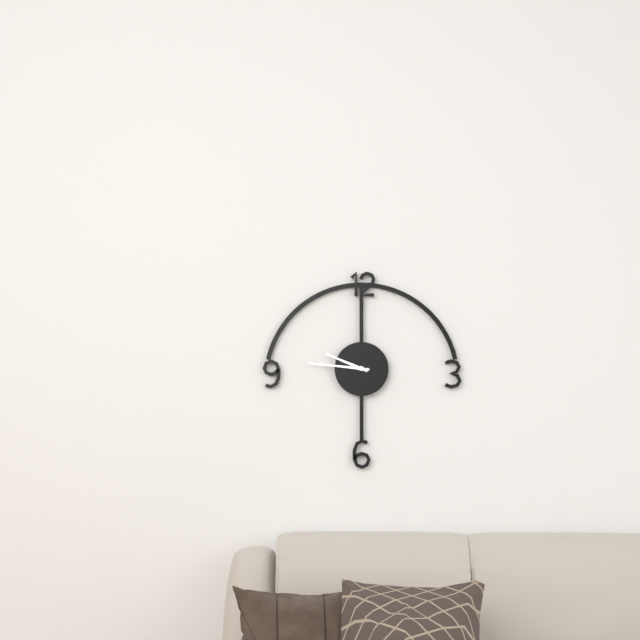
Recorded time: 9:46
